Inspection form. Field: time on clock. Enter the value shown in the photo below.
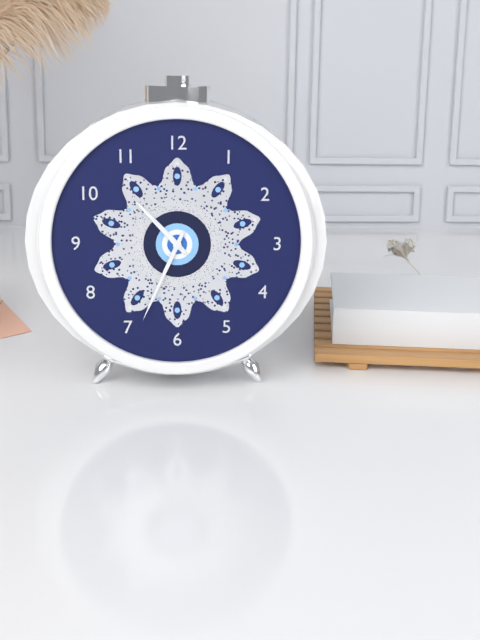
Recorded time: 10:34
